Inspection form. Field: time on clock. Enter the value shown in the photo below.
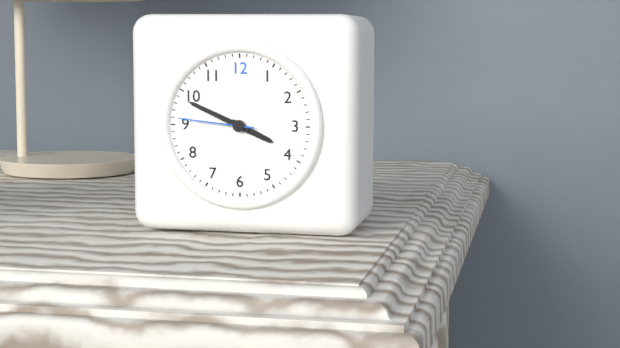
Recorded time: 3:49:46
